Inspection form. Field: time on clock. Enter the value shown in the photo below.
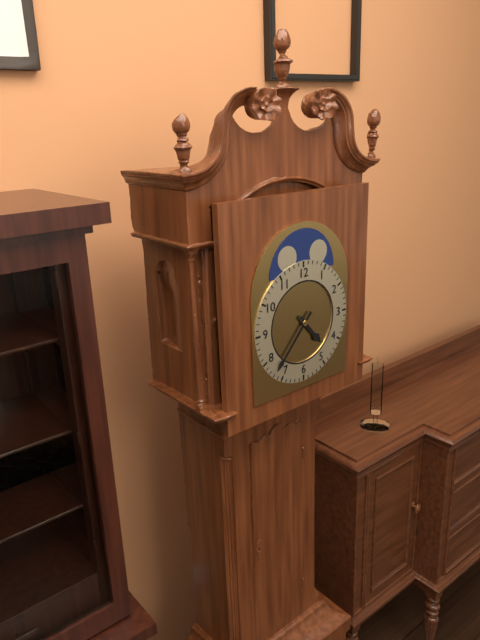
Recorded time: 4:37
